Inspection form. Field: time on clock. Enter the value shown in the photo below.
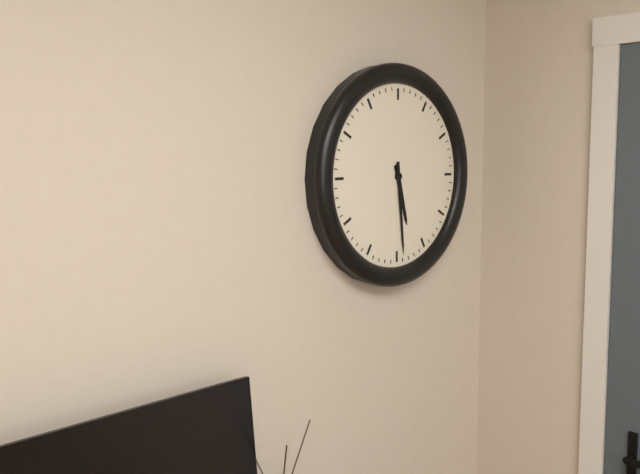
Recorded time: 5:29
